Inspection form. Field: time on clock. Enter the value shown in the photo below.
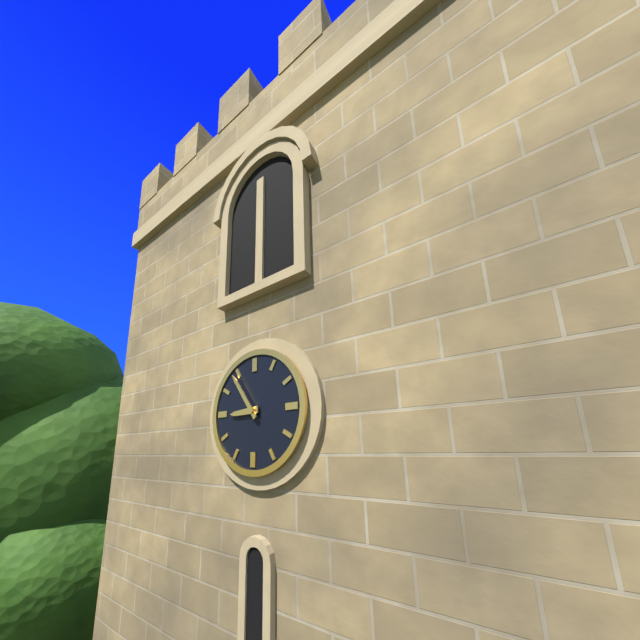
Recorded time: 8:54
